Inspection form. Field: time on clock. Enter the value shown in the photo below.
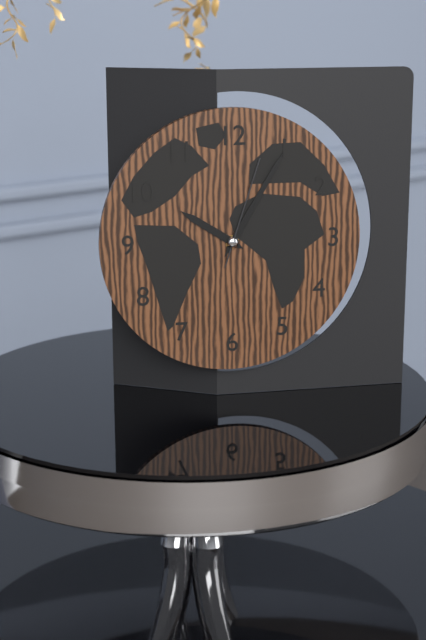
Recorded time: 10:05:03
